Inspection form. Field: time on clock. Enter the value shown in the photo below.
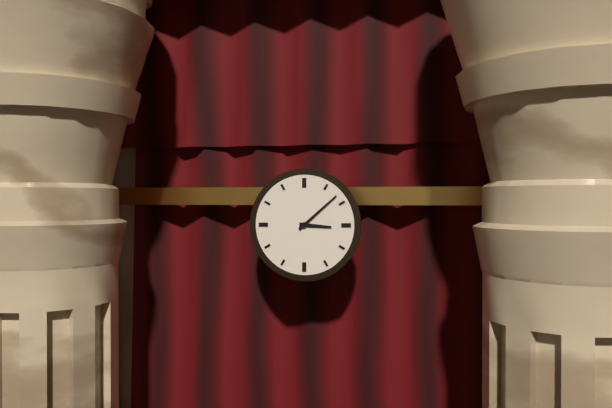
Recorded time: 3:08
